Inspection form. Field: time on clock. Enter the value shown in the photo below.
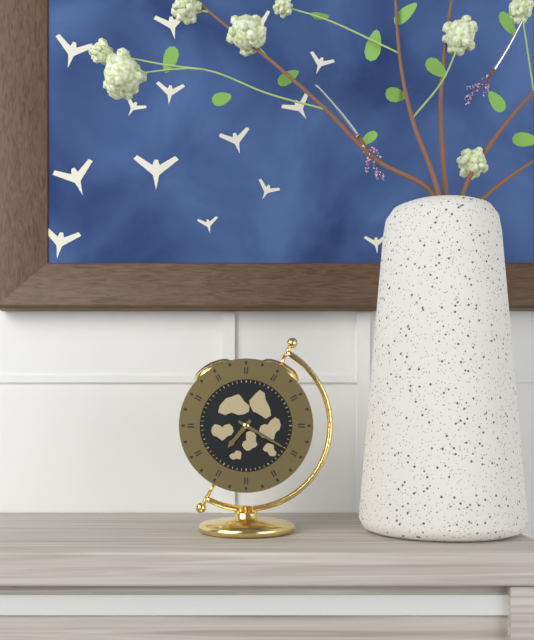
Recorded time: 7:20
